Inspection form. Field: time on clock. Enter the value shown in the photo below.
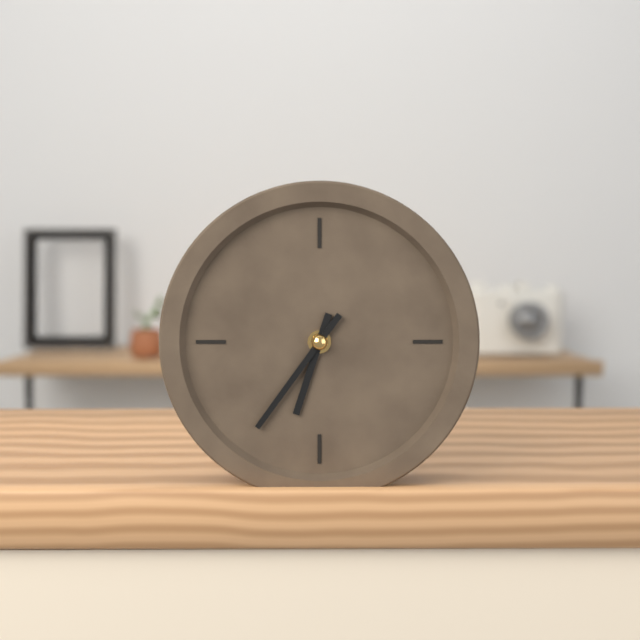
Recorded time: 6:36
